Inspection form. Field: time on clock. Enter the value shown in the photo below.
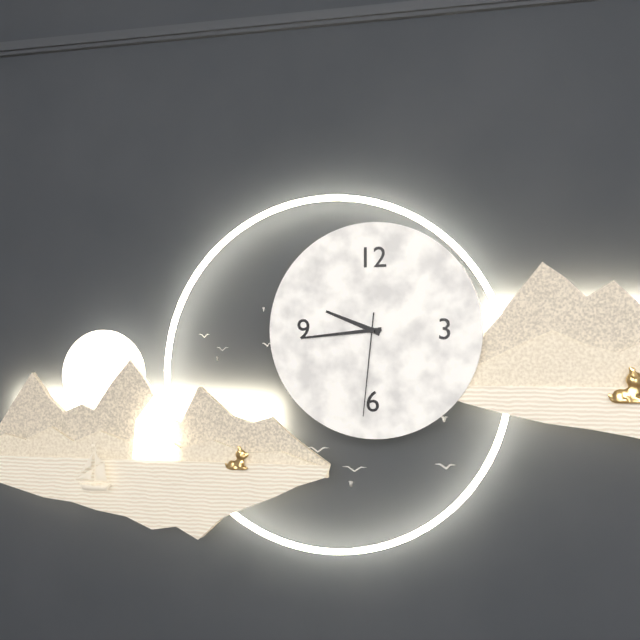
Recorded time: 9:44:31
